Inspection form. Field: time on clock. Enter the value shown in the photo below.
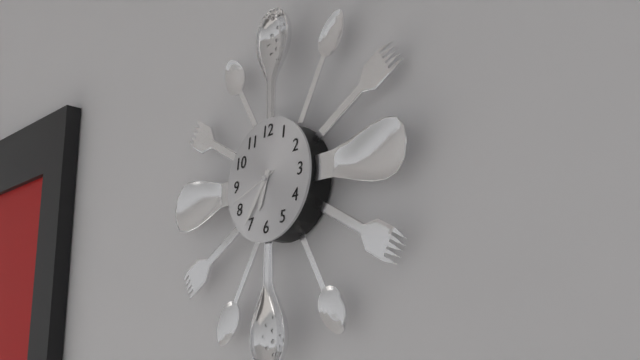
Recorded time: 6:36:42
